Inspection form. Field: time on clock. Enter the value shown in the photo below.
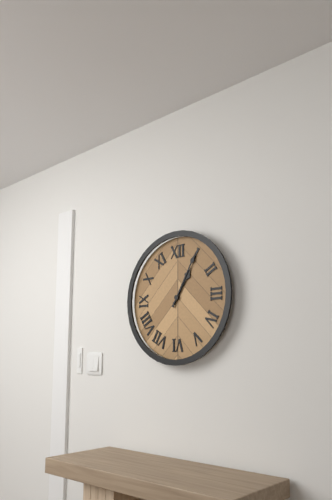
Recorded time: 1:05
